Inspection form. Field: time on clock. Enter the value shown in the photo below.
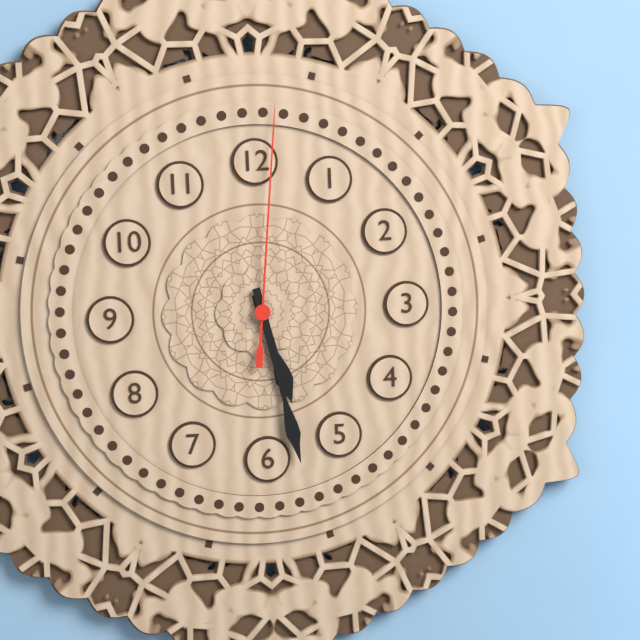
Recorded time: 5:28:01
